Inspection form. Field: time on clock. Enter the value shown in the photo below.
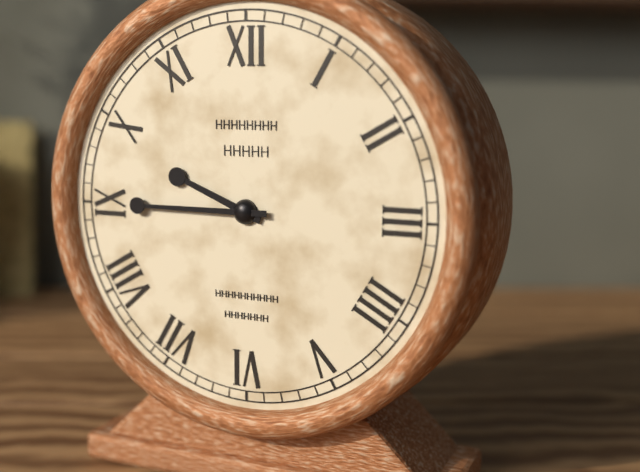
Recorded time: 9:45
